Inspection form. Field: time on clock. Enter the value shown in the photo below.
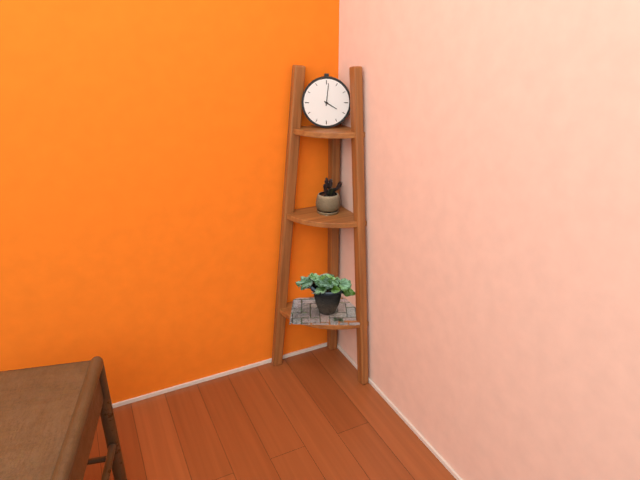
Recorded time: 4:01
